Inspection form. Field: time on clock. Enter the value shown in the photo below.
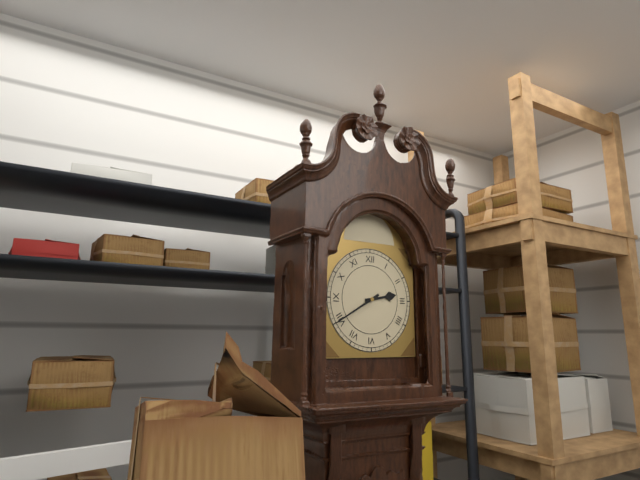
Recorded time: 2:40
